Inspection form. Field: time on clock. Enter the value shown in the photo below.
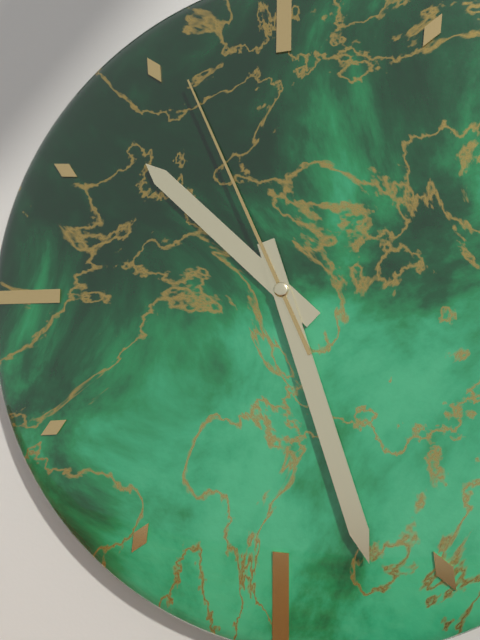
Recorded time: 10:27:56
